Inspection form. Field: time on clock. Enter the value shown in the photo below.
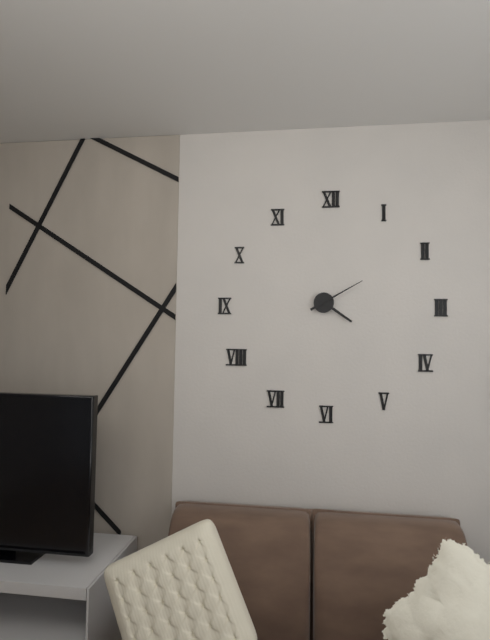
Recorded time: 4:10
